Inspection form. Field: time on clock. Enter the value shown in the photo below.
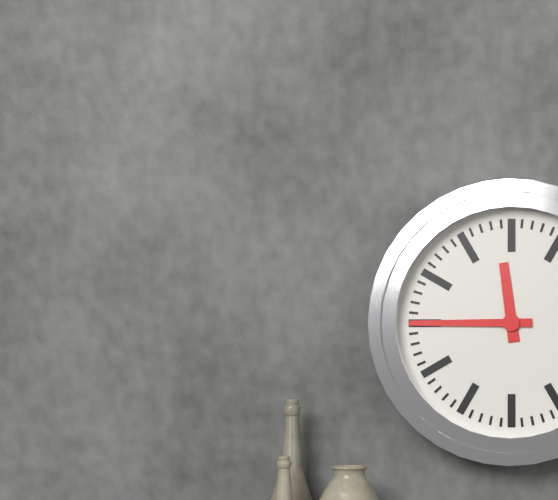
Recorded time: 11:45
